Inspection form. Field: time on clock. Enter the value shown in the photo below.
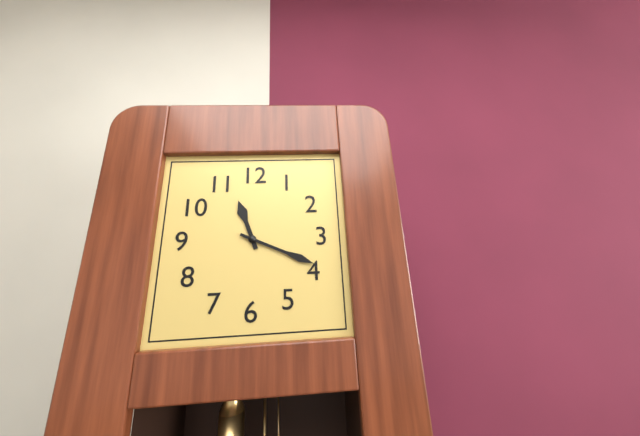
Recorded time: 11:19
